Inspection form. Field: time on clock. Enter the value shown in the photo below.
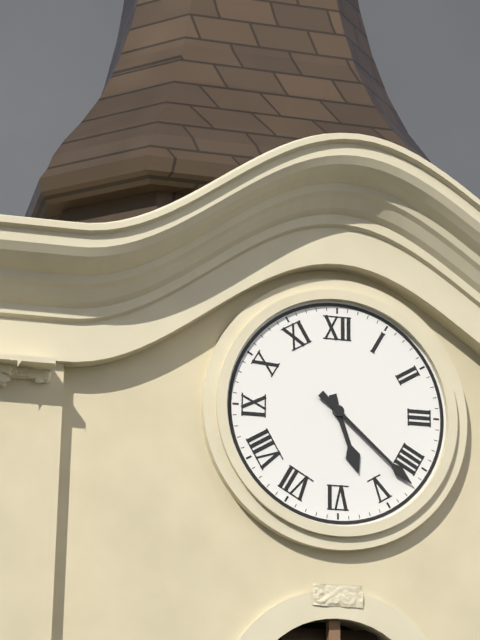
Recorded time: 5:22
